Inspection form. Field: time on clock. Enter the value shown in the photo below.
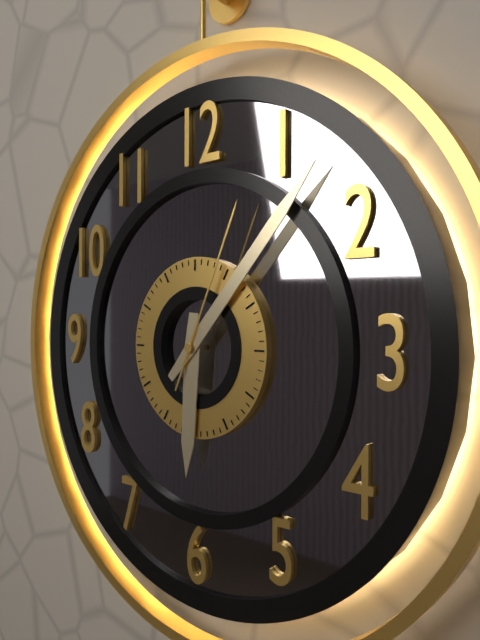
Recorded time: 6:07:04
